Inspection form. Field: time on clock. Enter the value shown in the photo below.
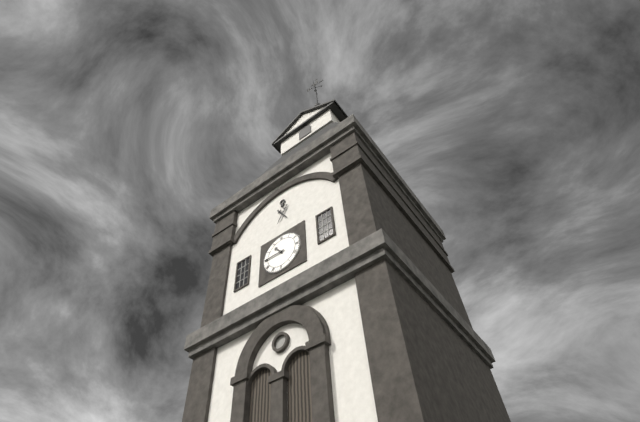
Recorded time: 10:45
